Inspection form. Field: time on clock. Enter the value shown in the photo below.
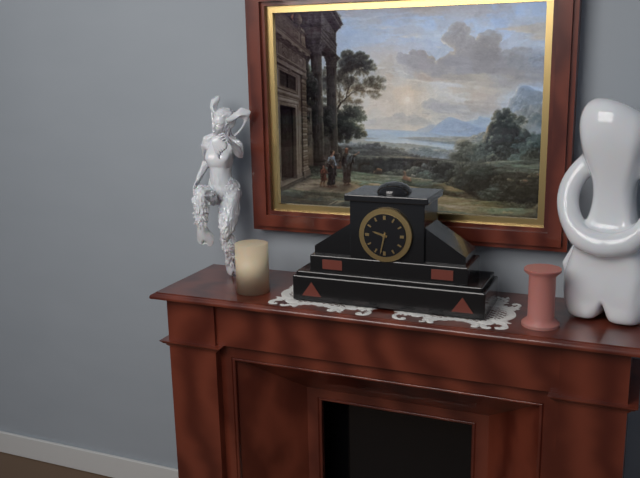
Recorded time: 9:32
